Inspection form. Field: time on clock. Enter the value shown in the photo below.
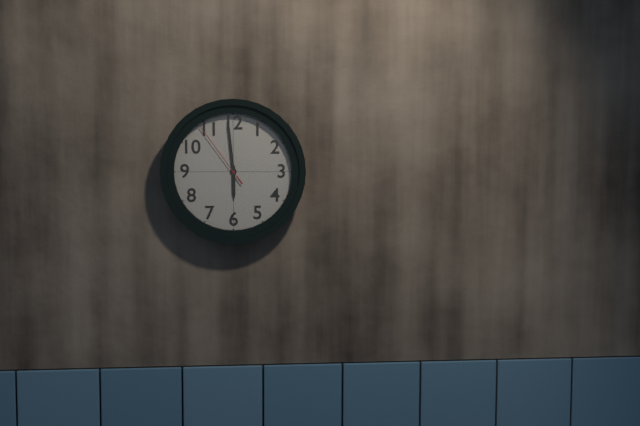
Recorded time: 5:59:54
